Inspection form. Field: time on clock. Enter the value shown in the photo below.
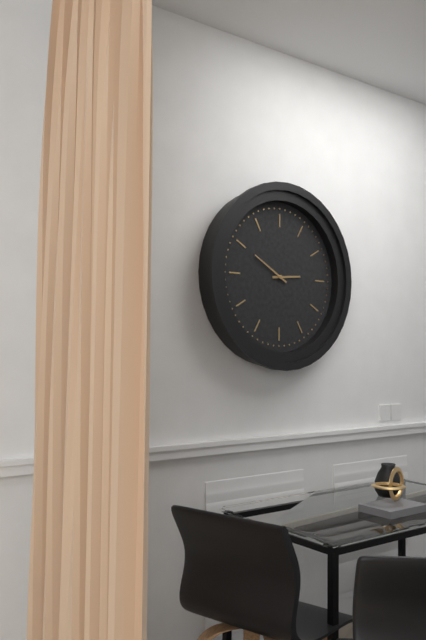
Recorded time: 2:50
